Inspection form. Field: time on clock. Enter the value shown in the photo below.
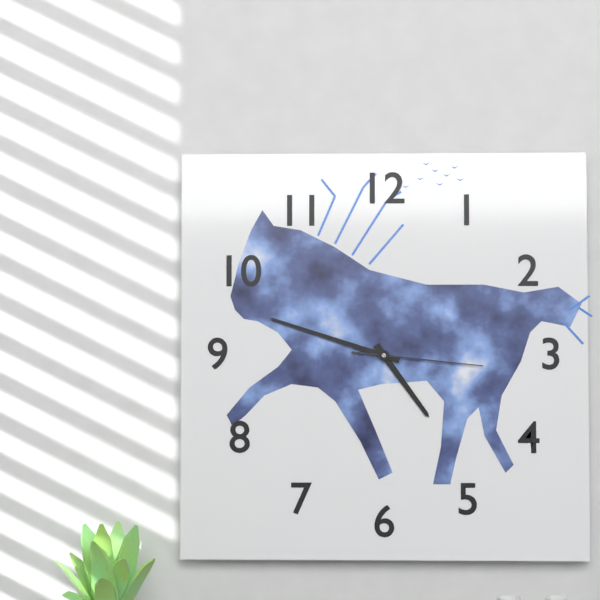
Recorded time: 4:48:16
